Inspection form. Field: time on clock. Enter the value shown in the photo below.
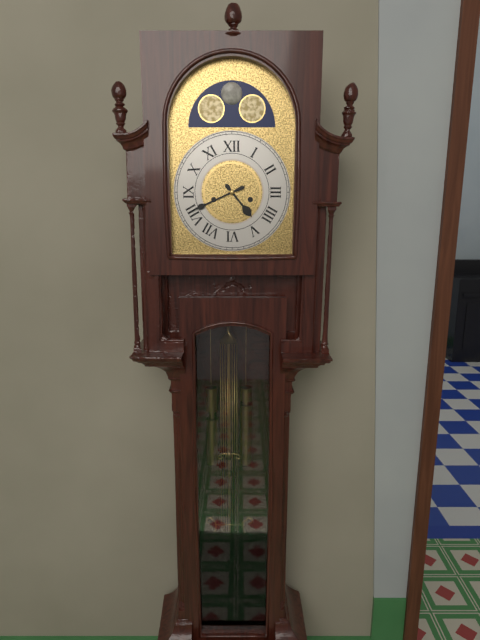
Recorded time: 4:41
